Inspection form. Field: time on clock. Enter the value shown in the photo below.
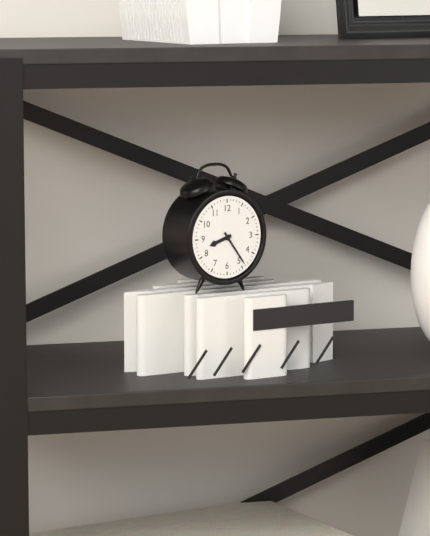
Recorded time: 8:24
